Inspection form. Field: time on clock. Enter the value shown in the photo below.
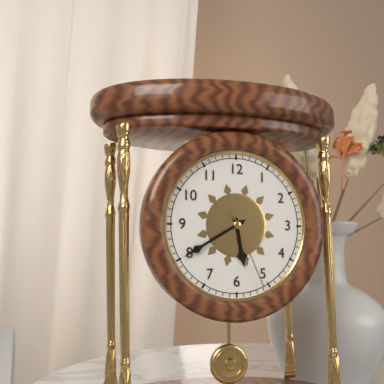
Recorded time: 5:40:26
